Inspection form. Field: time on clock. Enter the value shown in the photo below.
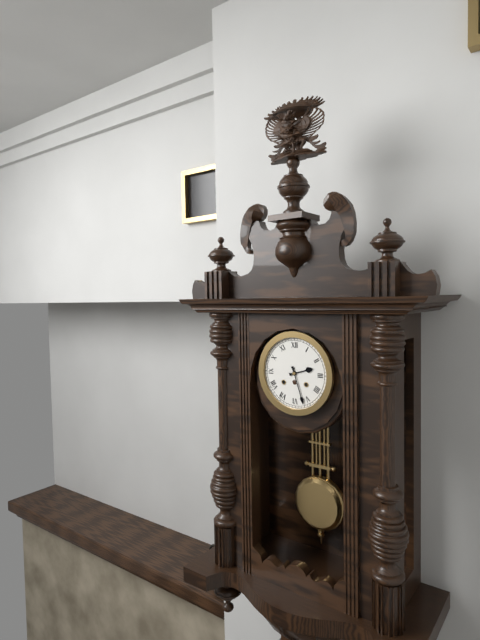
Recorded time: 2:27
